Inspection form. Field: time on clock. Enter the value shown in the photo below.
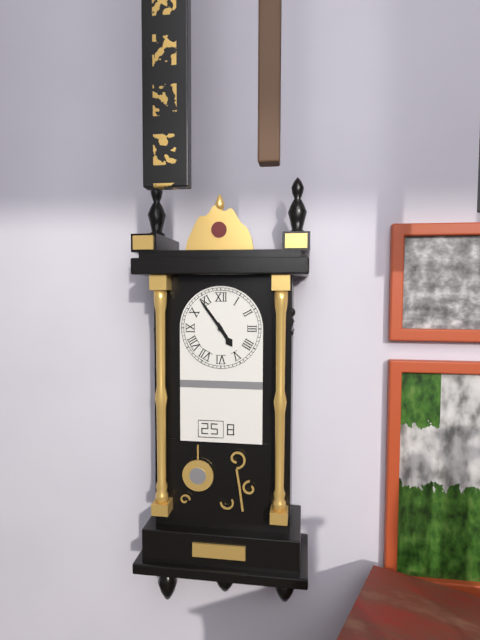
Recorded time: 4:54
